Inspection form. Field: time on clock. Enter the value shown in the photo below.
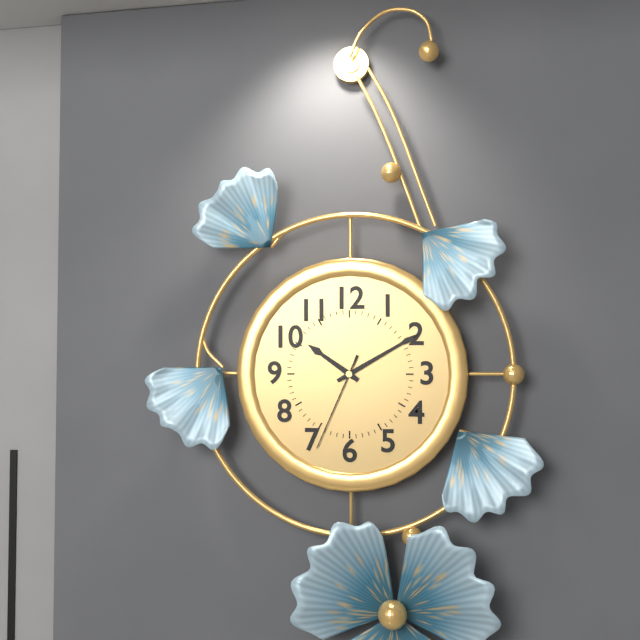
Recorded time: 10:10:34
